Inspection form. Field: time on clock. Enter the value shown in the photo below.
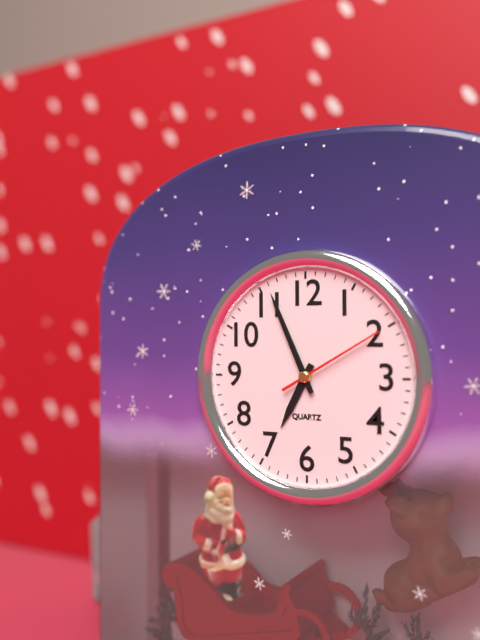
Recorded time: 6:56:10
